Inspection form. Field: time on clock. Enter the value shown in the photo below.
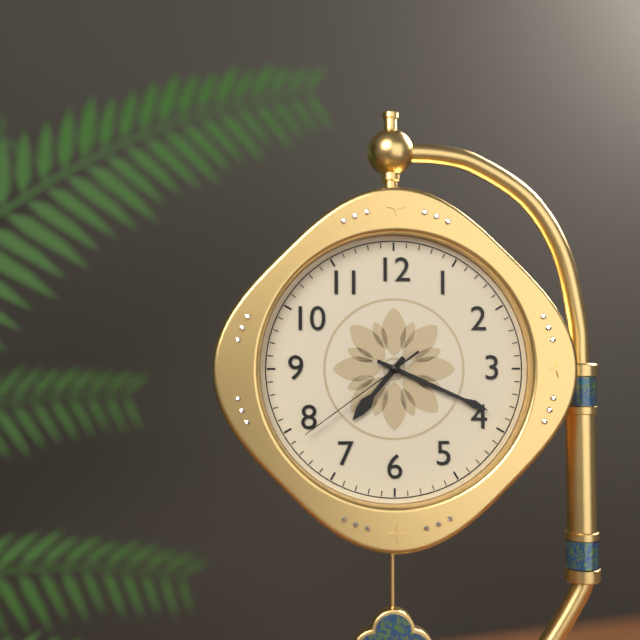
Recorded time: 7:19:39
